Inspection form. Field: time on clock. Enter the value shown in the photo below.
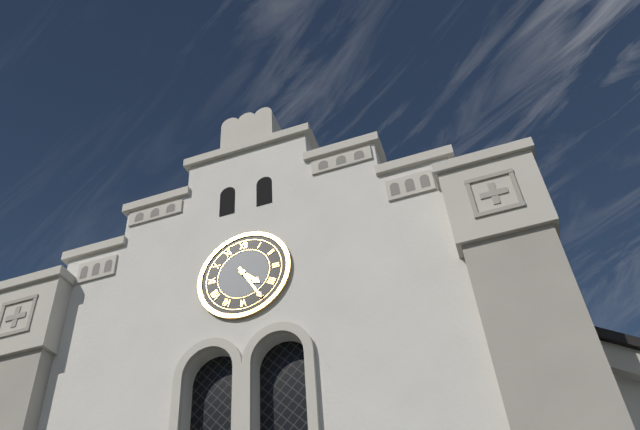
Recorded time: 4:25
